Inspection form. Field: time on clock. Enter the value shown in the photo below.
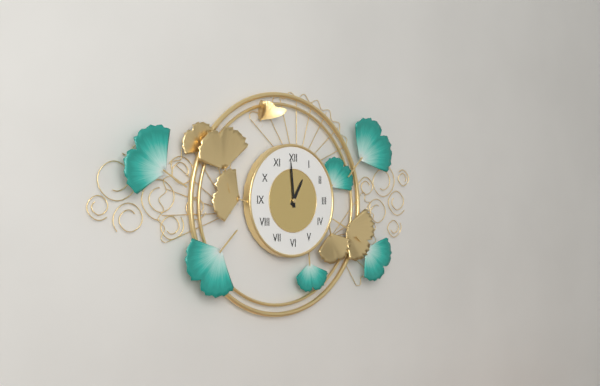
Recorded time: 12:59
